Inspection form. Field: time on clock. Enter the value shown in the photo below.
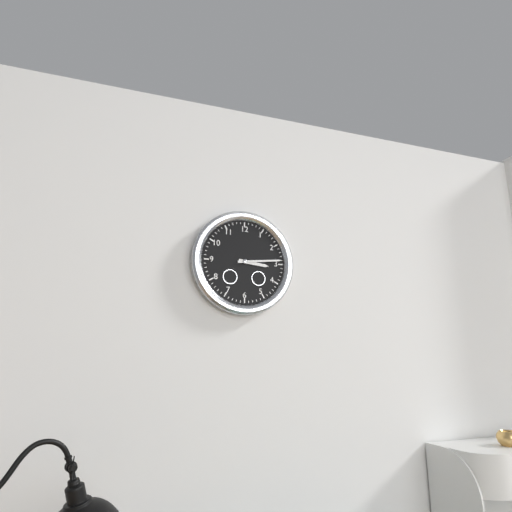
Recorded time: 3:14
